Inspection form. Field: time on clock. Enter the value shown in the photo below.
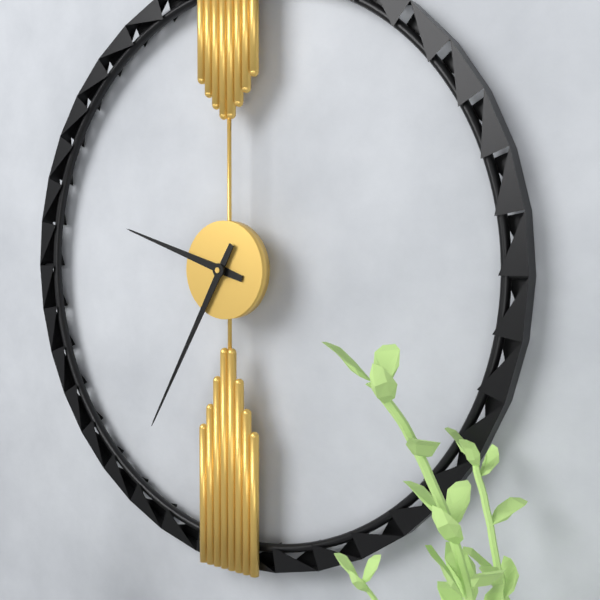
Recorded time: 9:35
